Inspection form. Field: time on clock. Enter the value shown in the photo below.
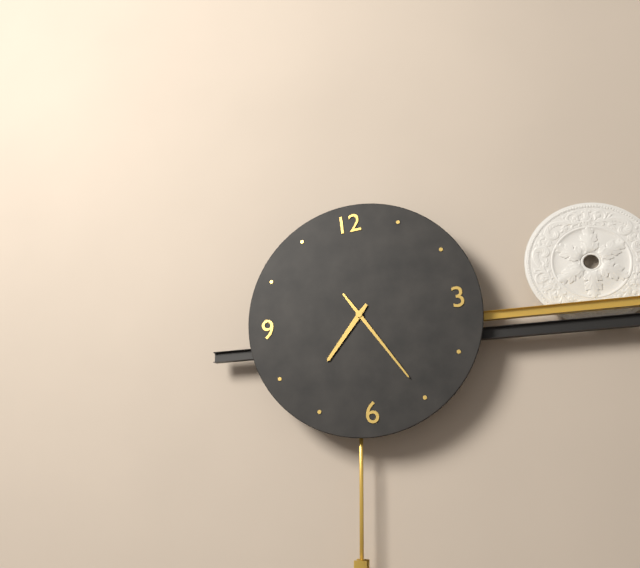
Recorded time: 7:25
